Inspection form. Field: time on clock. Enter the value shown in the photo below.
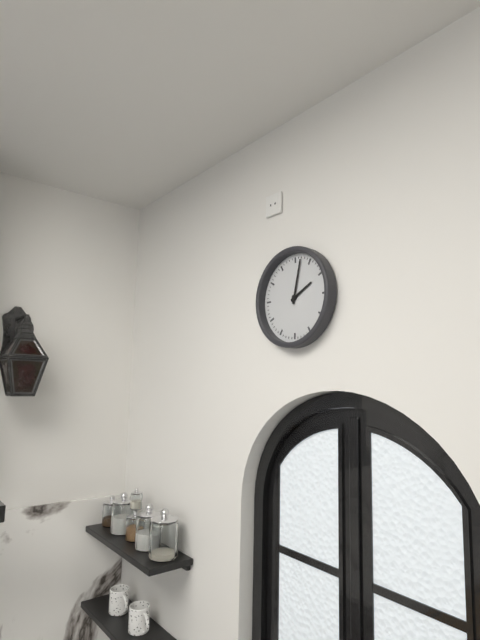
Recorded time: 2:02
